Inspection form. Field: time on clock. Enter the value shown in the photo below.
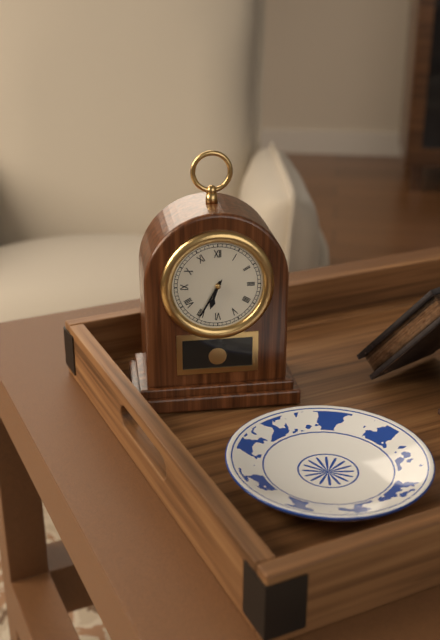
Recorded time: 6:35
